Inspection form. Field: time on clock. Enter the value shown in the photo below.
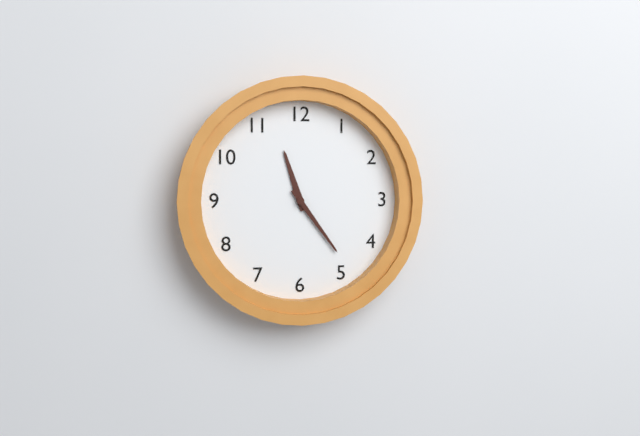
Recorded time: 11:24
